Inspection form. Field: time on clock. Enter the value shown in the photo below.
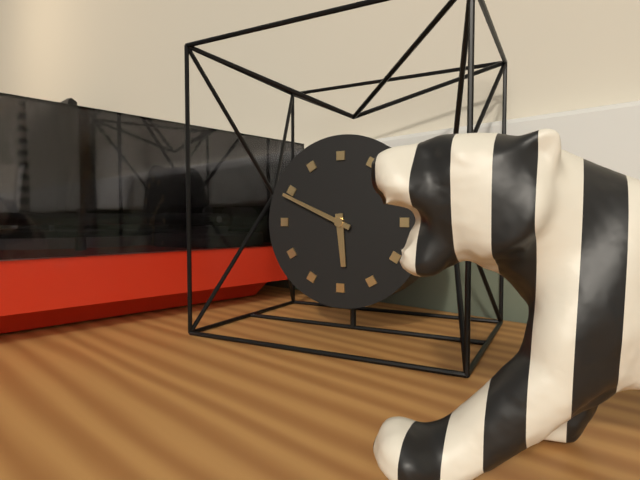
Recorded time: 5:49
